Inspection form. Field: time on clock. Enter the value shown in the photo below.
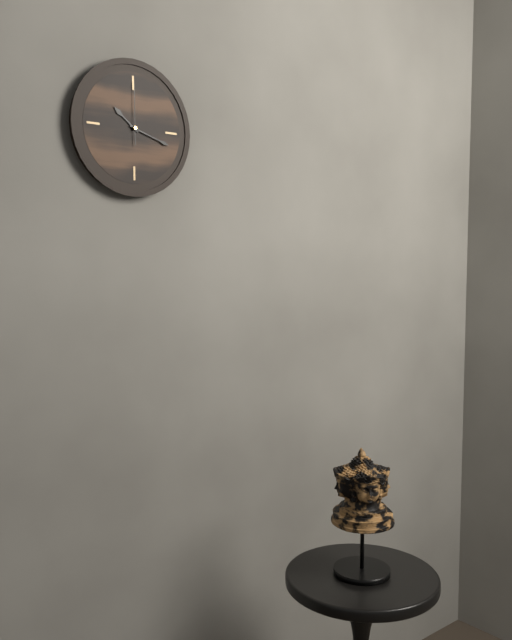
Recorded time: 10:18:00
